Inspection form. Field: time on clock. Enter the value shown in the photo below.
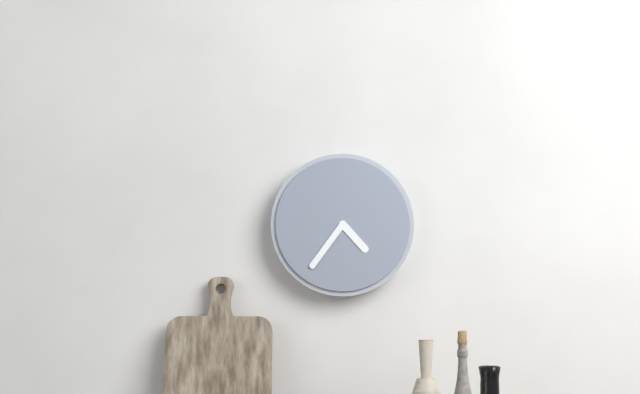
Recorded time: 4:36
